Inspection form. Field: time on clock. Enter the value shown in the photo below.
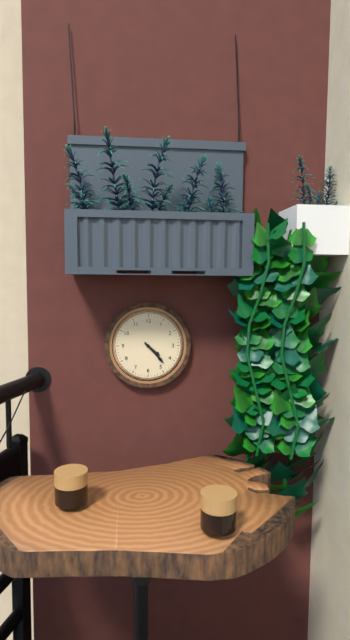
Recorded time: 4:23
